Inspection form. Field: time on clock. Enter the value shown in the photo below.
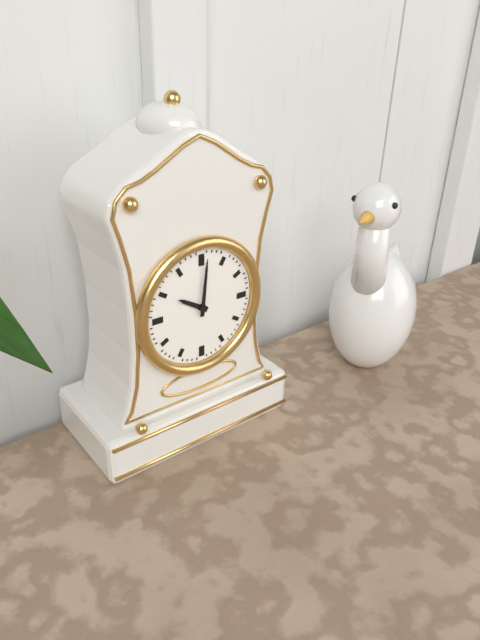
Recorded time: 10:01
